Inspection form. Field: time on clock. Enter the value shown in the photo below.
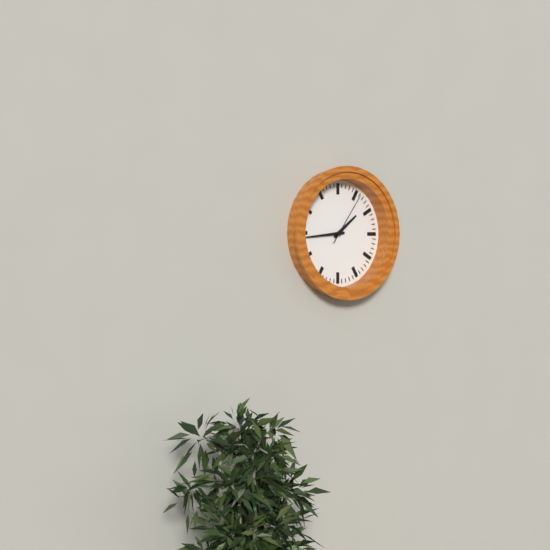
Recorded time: 1:44:06
